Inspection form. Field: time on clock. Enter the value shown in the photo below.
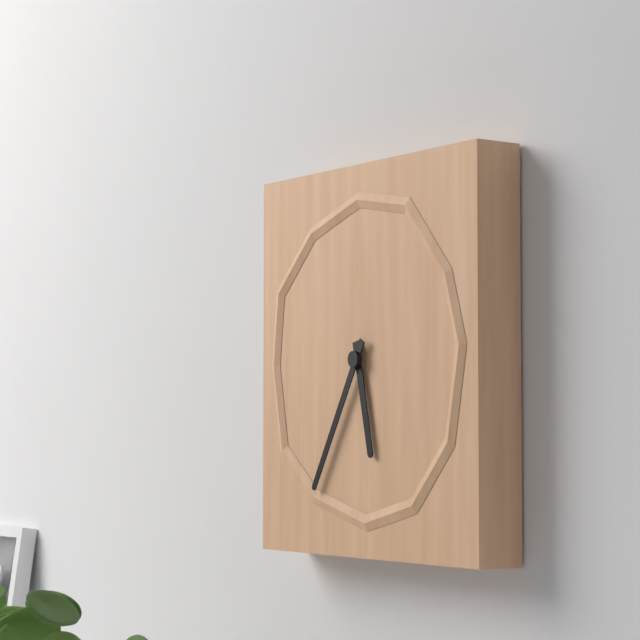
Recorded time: 5:35
